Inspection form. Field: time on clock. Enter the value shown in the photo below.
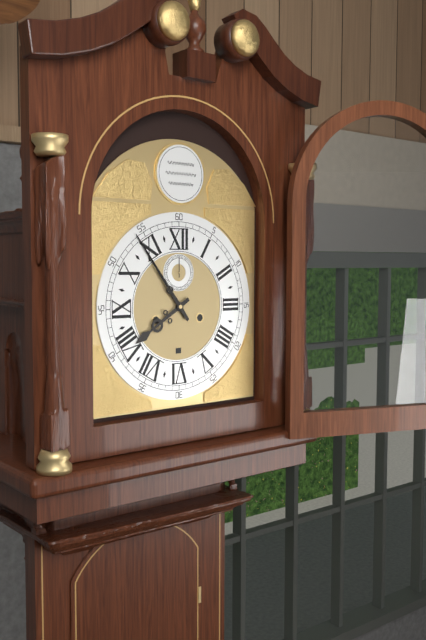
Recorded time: 7:54
